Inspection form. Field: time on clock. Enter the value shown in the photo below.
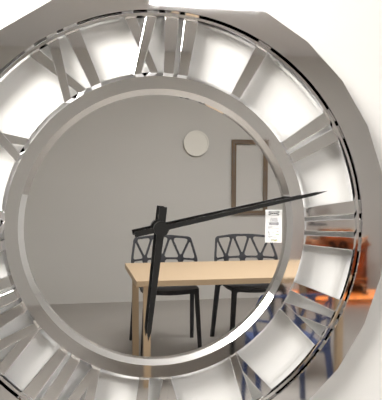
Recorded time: 6:13
